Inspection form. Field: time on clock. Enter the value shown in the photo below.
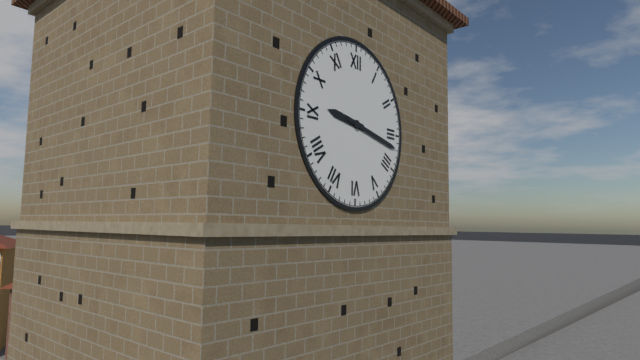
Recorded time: 9:17
